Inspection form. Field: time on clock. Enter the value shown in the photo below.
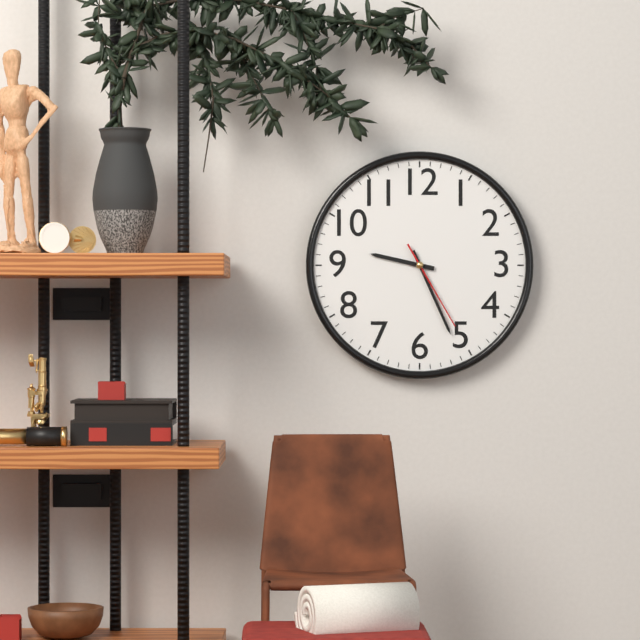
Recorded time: 9:26:25
